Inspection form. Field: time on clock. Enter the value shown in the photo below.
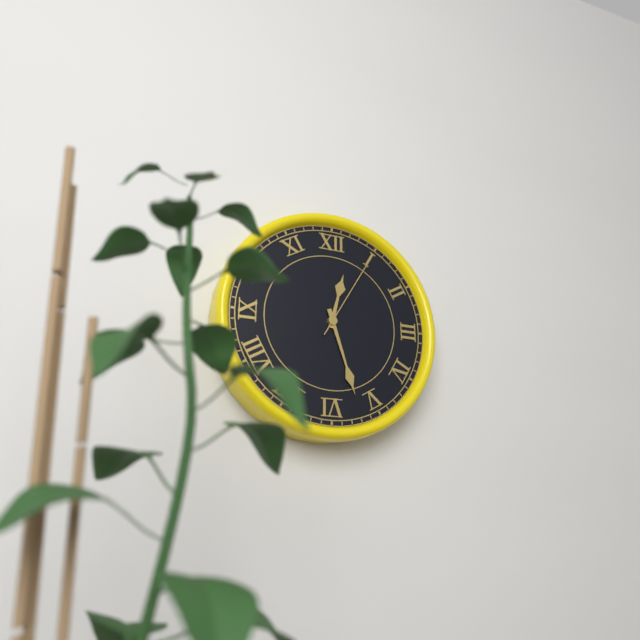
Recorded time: 12:27:05
